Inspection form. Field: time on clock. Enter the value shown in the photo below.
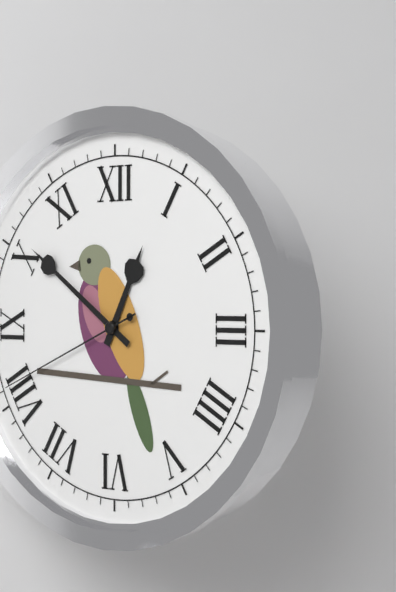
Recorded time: 12:51:41
